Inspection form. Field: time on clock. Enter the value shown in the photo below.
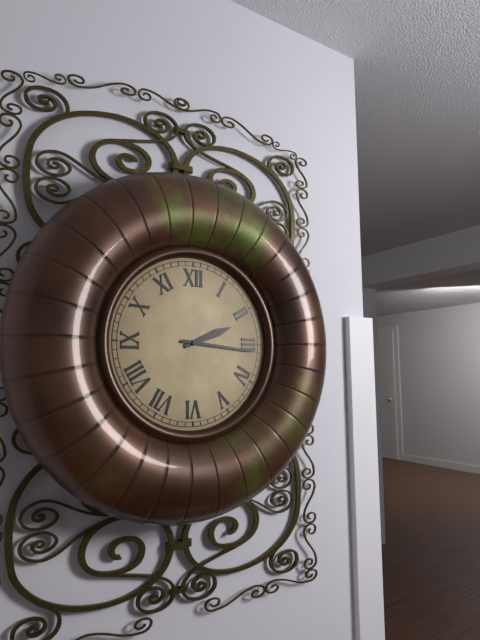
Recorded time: 2:16
